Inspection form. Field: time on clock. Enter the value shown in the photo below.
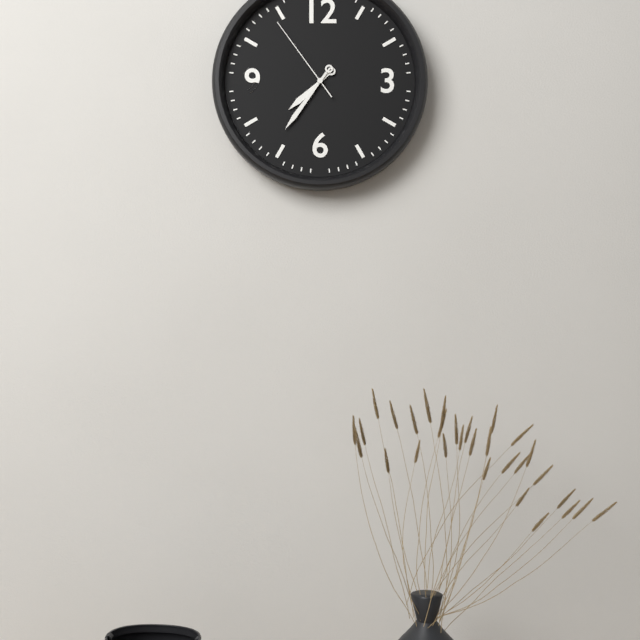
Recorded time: 7:36:54
